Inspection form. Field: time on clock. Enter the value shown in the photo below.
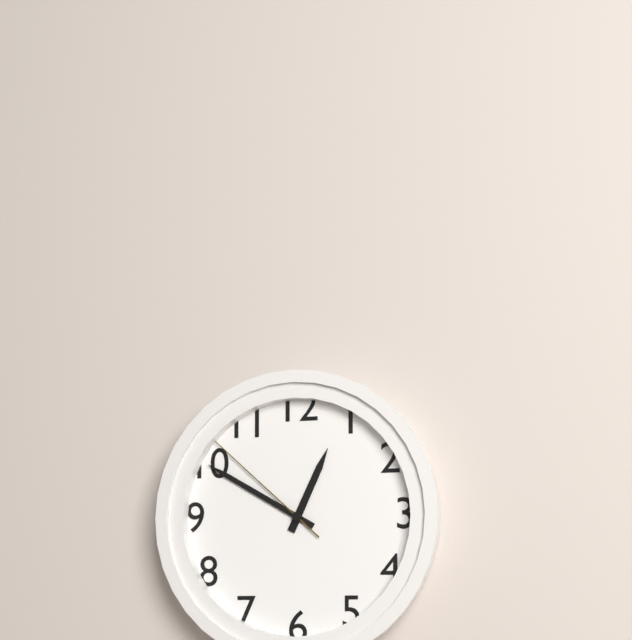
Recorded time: 12:50:52
